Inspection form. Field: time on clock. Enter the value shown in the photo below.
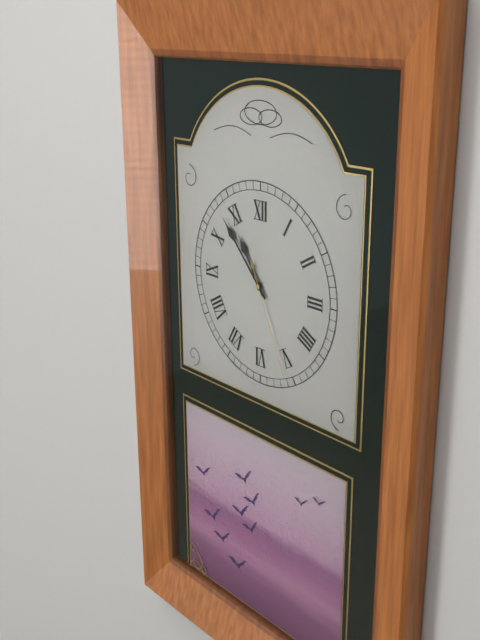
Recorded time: 10:53:26
